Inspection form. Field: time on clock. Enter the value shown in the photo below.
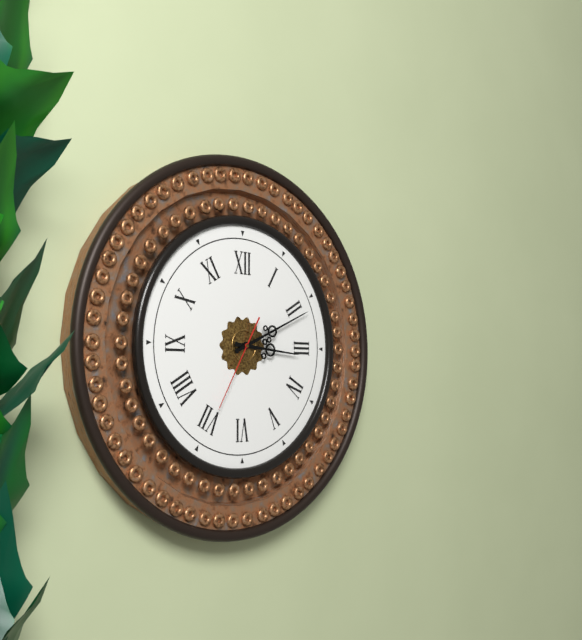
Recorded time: 3:11:35
